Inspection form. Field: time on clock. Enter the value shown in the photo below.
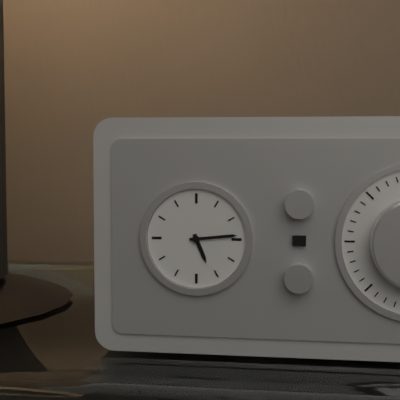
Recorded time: 5:14
